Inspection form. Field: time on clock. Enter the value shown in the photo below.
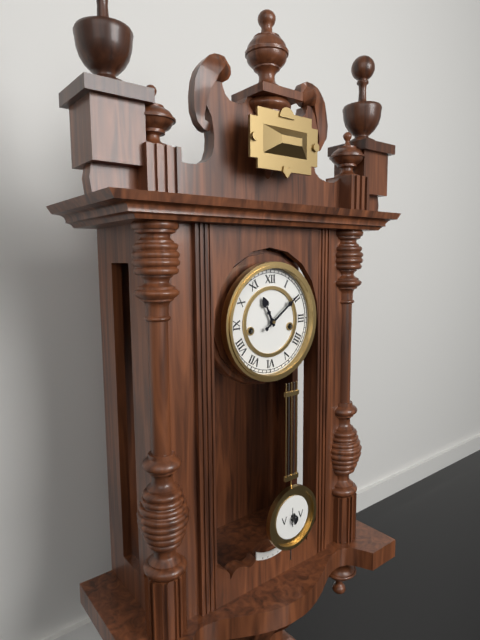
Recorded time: 11:09
